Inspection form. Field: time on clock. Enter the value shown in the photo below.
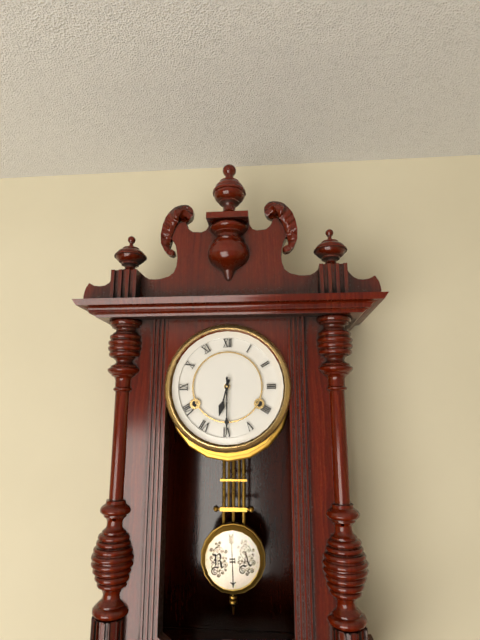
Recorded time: 6:30
